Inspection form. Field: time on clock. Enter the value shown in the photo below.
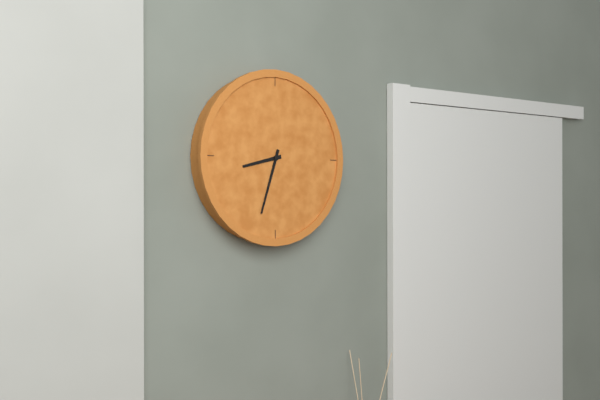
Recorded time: 8:33
